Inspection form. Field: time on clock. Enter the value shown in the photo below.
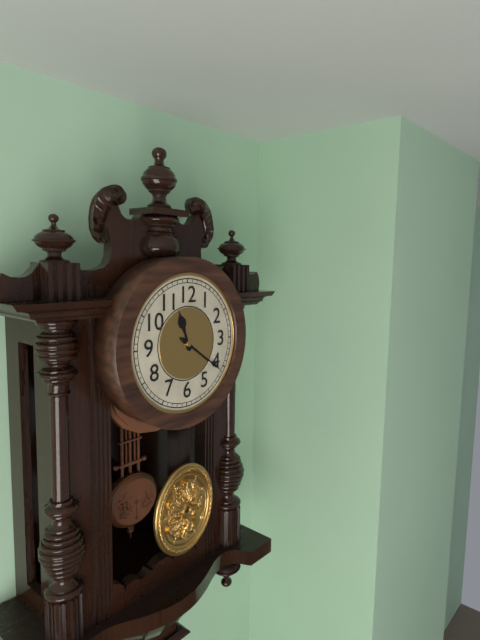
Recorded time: 11:21
